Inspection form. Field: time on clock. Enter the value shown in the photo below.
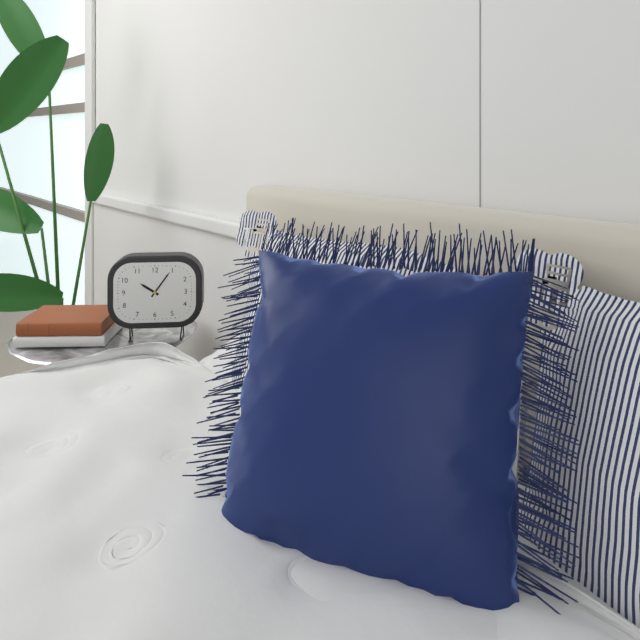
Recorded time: 10:06
